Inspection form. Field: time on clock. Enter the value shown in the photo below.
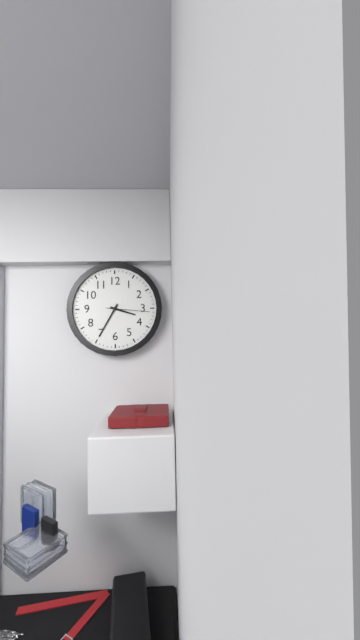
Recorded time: 3:35
